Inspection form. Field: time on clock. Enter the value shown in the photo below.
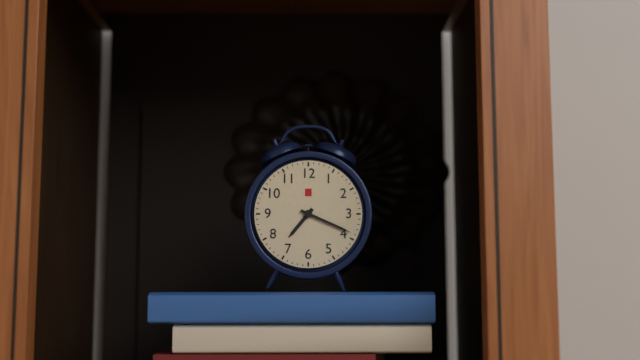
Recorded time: 7:19
